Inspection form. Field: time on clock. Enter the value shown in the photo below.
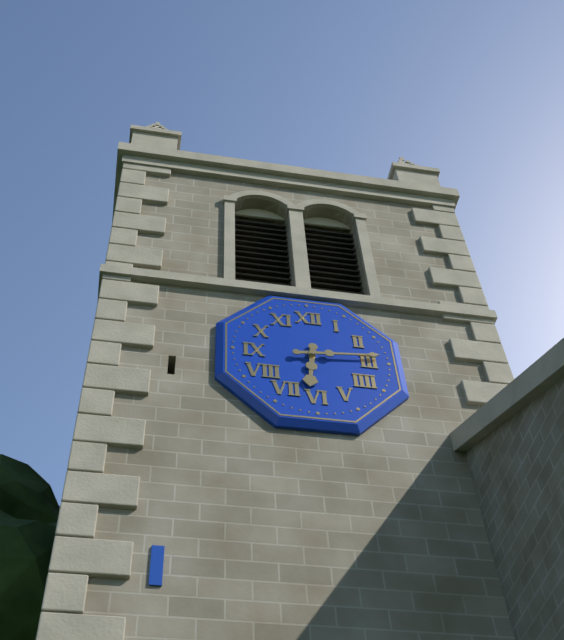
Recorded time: 6:14
